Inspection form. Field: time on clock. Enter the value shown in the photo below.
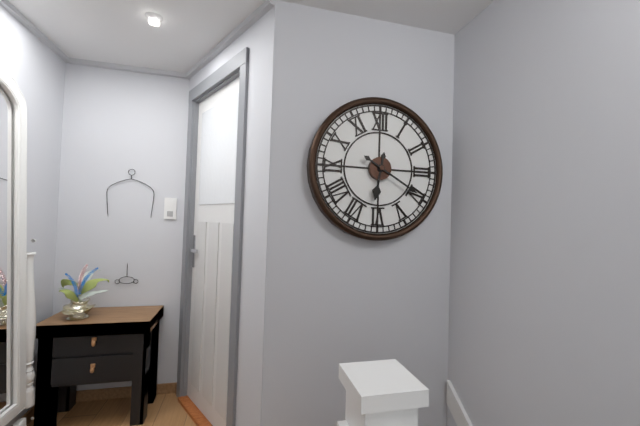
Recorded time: 6:20
